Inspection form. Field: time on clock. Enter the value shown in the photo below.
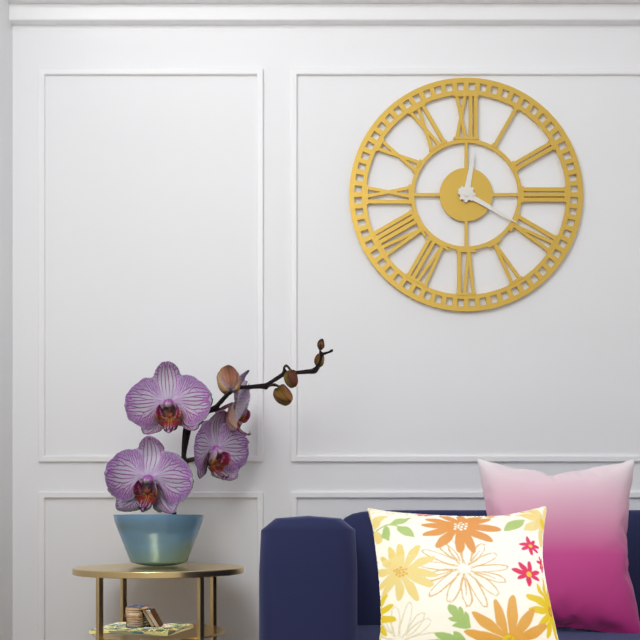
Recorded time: 12:20
